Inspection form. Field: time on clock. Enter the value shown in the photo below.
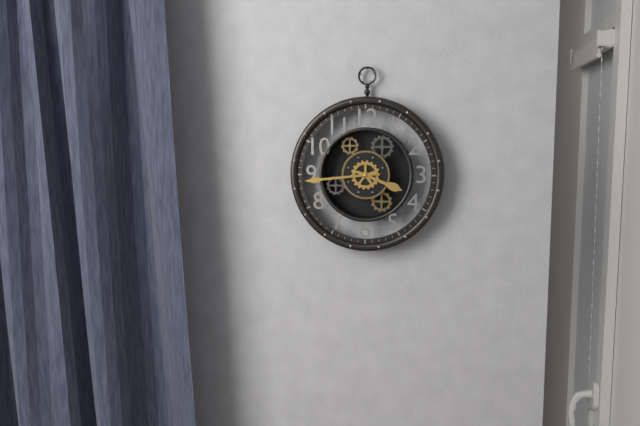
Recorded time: 3:44
